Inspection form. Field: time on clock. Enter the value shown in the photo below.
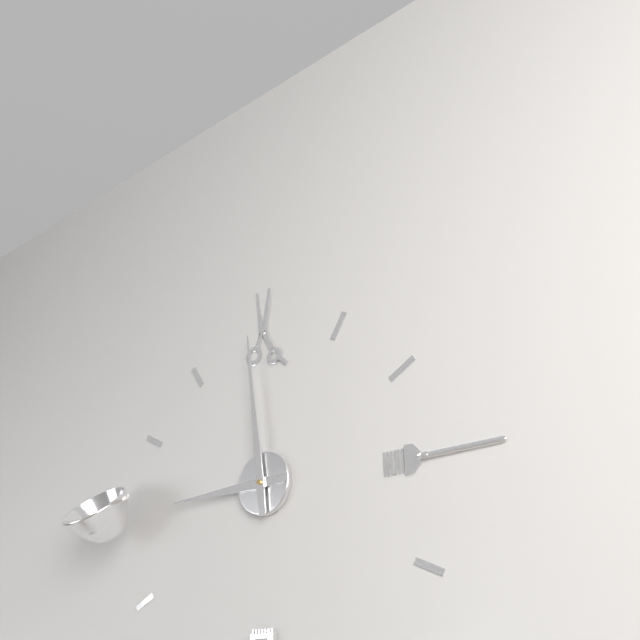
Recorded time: 8:59
